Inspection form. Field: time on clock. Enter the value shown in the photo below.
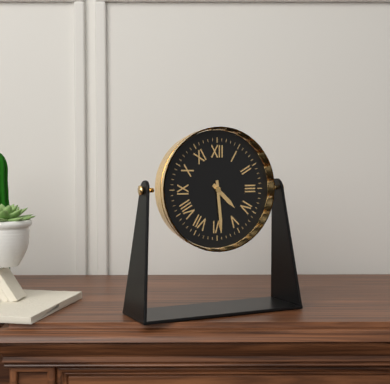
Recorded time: 4:29
